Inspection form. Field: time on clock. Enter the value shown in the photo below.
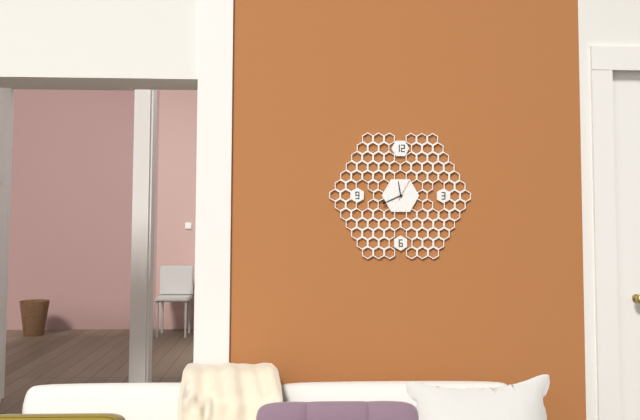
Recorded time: 11:41
